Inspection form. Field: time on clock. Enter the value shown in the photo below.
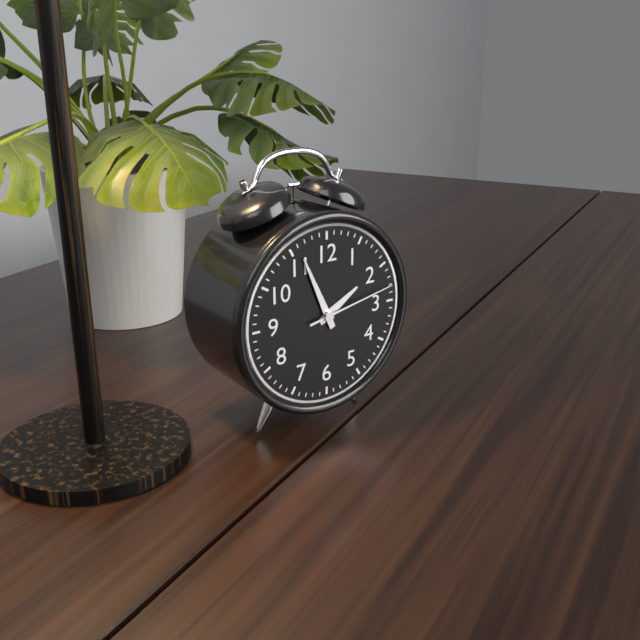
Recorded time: 1:56:13
